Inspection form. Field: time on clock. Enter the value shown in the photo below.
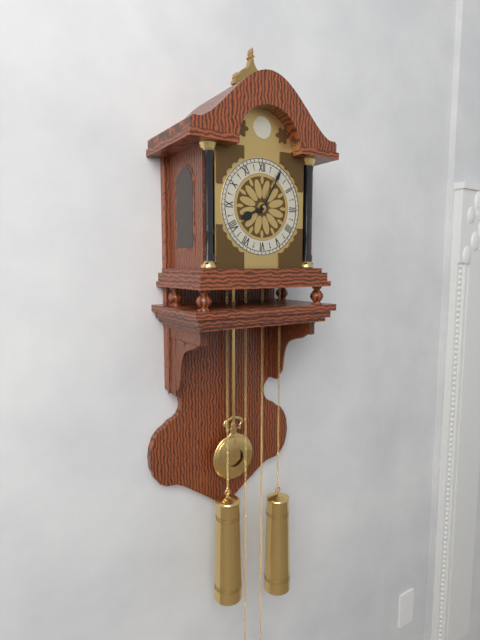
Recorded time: 8:05
